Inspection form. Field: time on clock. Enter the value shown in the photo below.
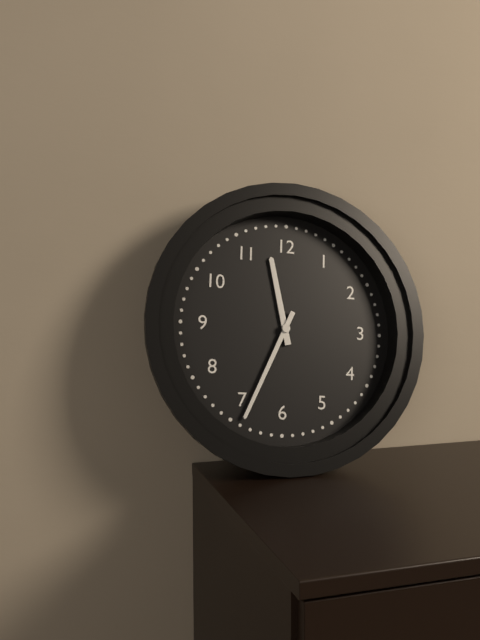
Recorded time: 11:34
